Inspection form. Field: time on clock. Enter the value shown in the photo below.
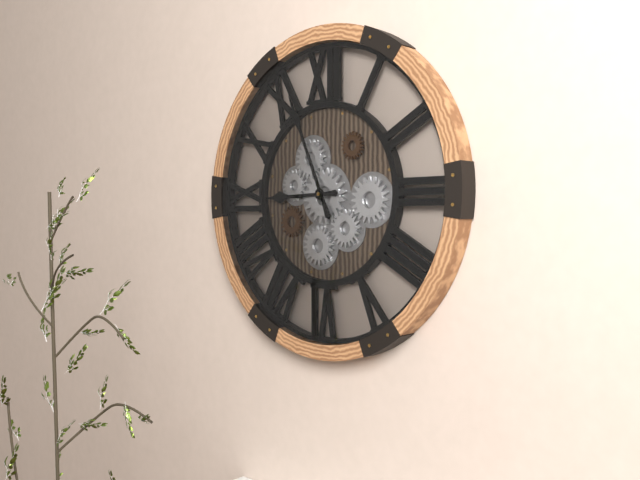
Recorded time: 8:56
